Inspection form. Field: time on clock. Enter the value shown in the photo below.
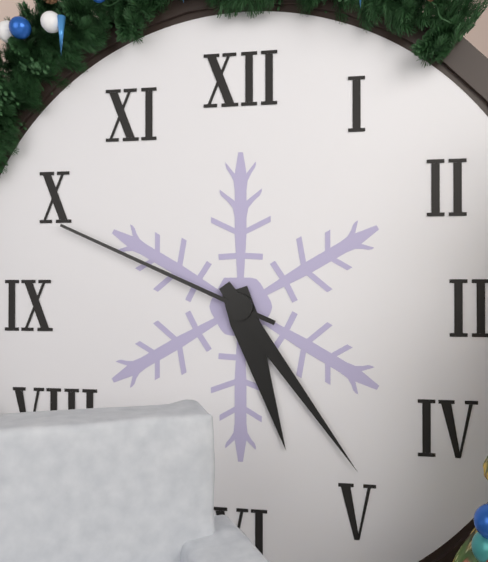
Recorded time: 5:24:49
